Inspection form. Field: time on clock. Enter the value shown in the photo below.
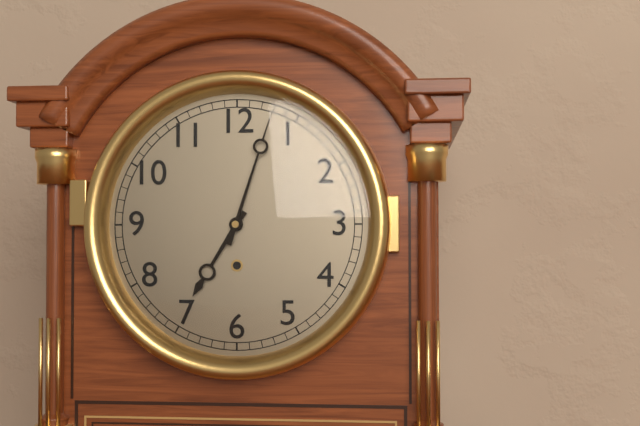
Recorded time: 7:03
